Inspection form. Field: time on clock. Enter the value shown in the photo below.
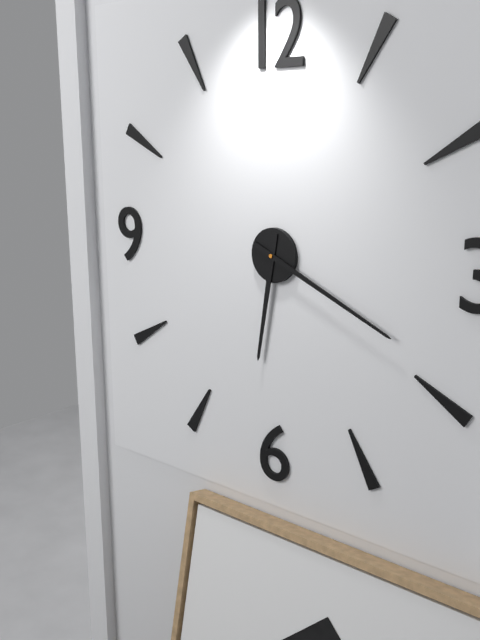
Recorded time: 6:19
